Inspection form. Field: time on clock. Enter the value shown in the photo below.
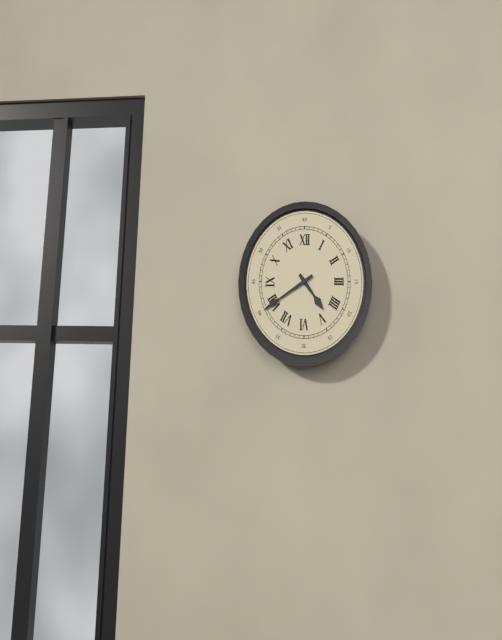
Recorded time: 4:40
